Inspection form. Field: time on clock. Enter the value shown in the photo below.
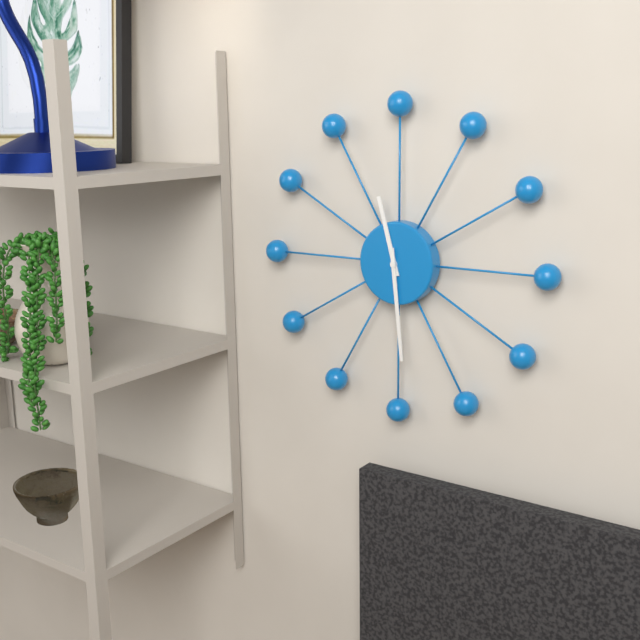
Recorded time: 11:29
